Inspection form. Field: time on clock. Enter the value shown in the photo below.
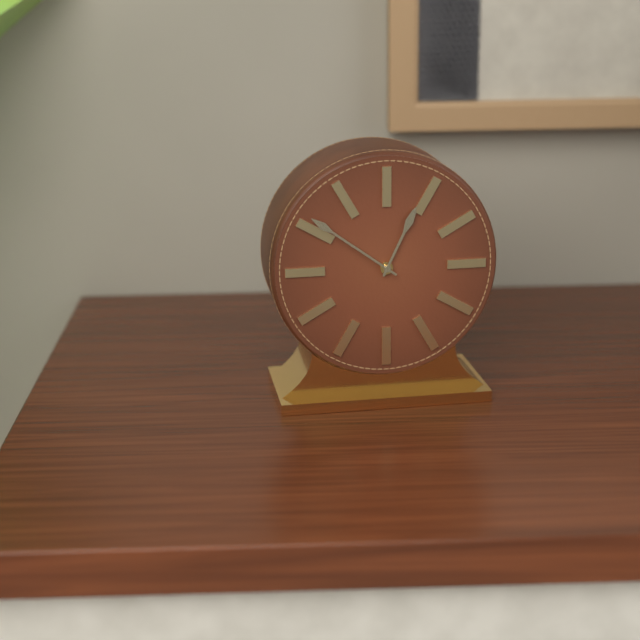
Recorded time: 12:51
